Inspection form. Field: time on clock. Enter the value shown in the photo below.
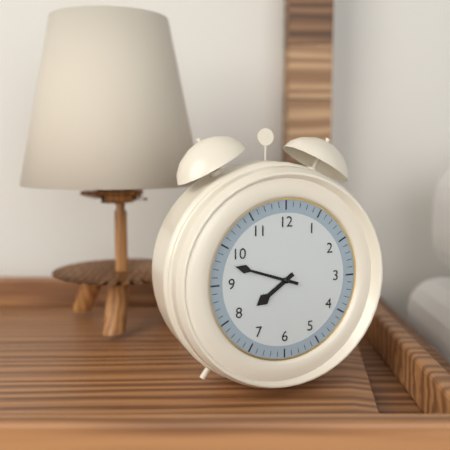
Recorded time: 7:48
